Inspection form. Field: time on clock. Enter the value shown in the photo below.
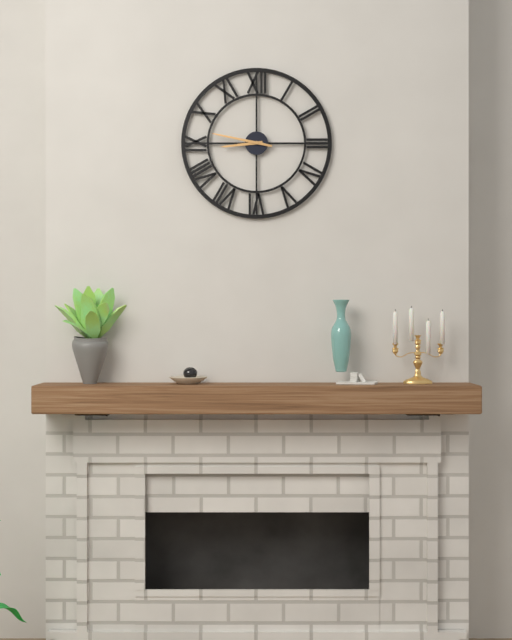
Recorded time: 8:47
